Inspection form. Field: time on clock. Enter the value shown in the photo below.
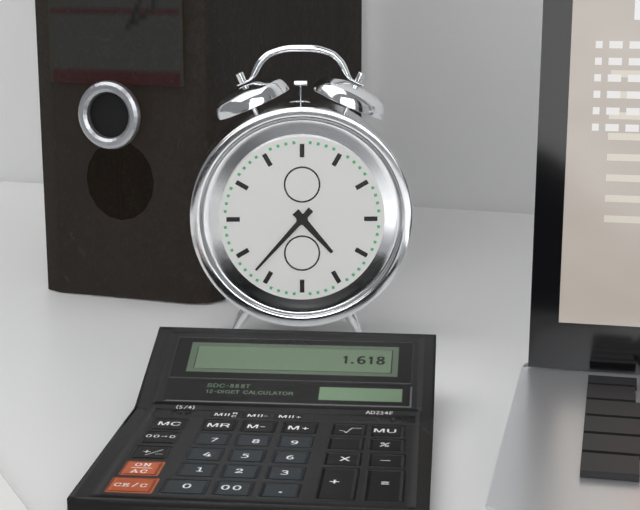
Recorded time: 4:37
